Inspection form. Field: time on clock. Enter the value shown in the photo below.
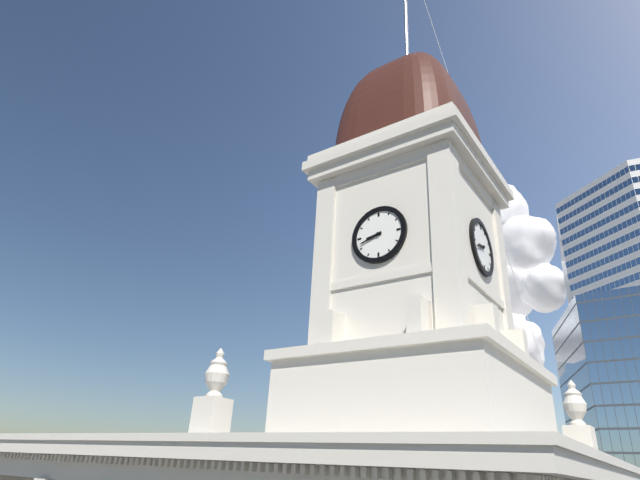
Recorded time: 8:42
